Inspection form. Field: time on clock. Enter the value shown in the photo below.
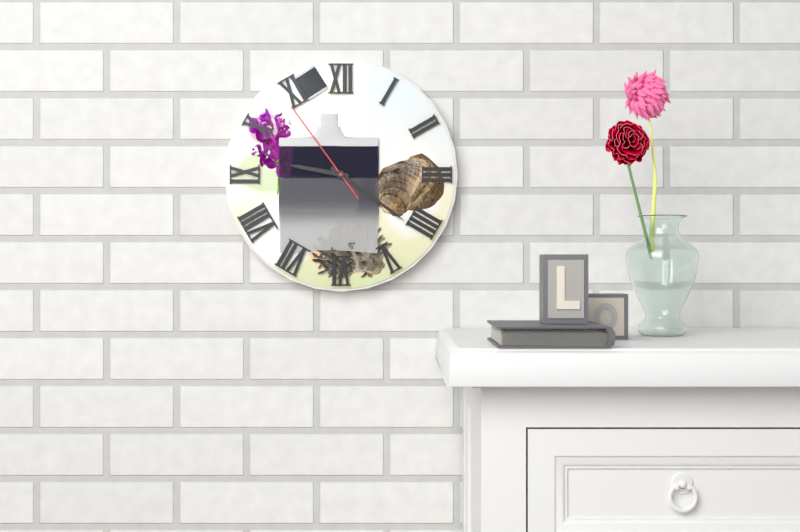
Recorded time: 9:21:54
